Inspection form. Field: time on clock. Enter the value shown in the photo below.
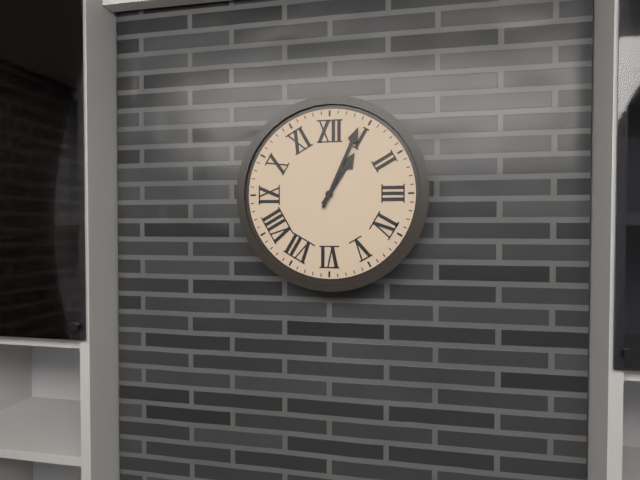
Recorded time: 1:04
